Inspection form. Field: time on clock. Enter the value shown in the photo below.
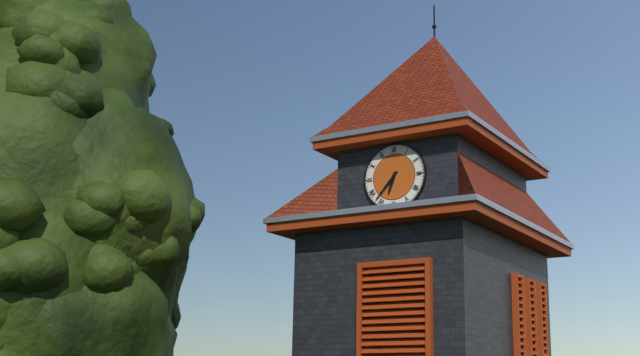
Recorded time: 6:37
